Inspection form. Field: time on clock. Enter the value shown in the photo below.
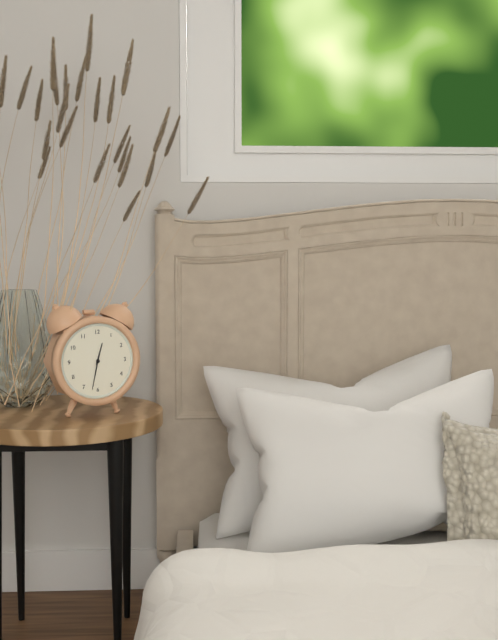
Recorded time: 12:32
